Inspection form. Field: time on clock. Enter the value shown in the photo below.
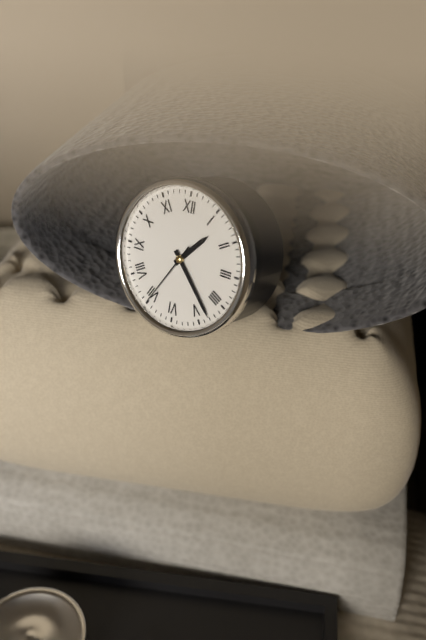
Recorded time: 1:23:35
